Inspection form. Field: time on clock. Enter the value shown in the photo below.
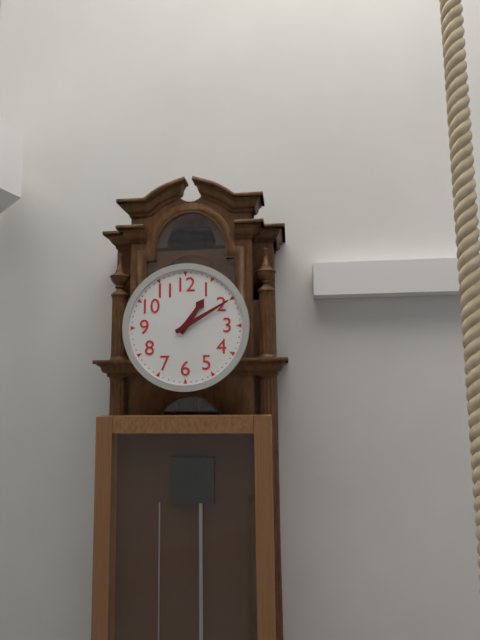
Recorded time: 1:10
